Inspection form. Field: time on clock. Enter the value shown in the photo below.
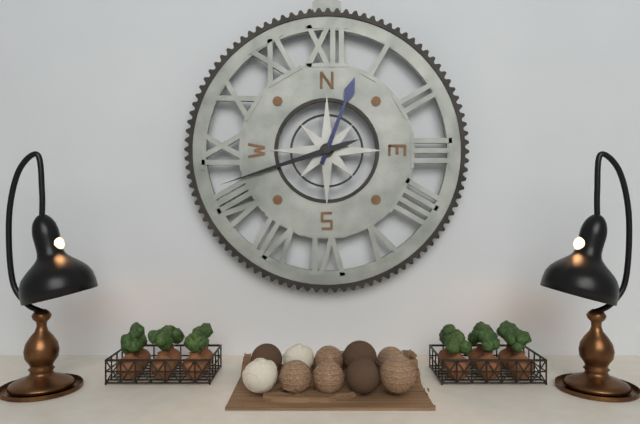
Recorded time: 12:42
